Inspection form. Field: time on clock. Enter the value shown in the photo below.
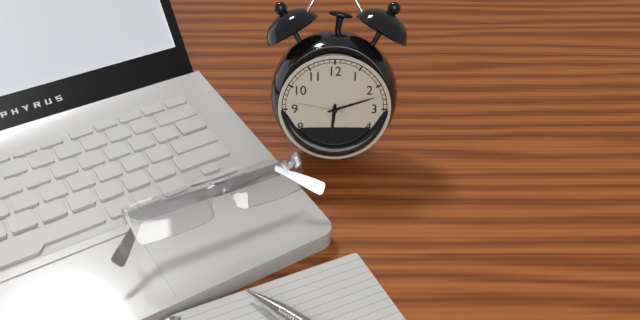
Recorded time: 6:12:47
